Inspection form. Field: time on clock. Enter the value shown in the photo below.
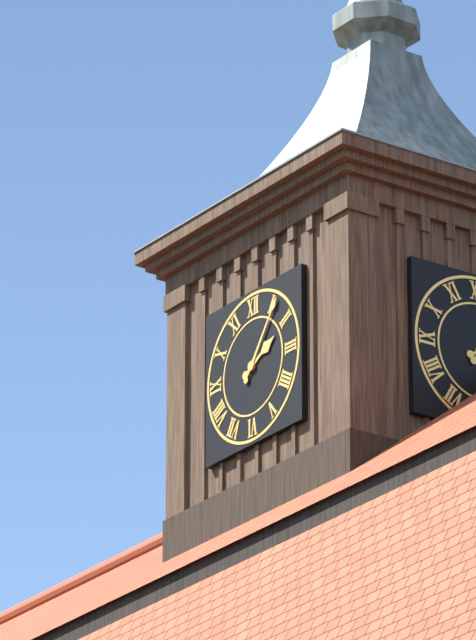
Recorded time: 2:06
